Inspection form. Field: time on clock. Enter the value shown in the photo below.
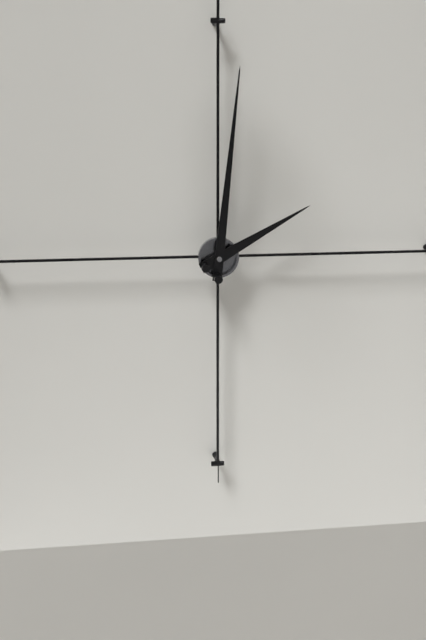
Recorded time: 2:01
